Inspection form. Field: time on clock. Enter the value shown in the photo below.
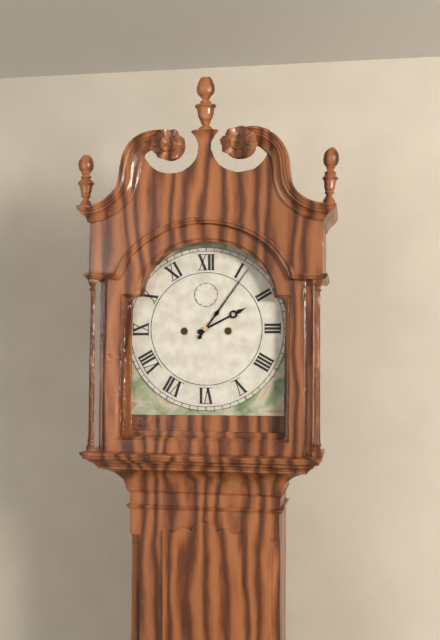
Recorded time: 2:06
